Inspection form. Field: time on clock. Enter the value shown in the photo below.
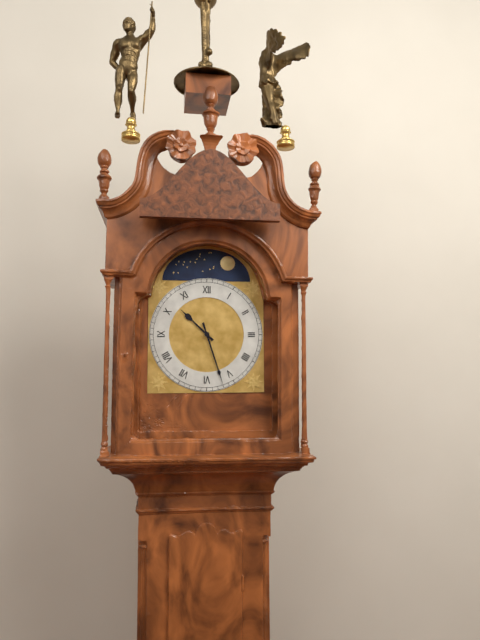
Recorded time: 10:27
